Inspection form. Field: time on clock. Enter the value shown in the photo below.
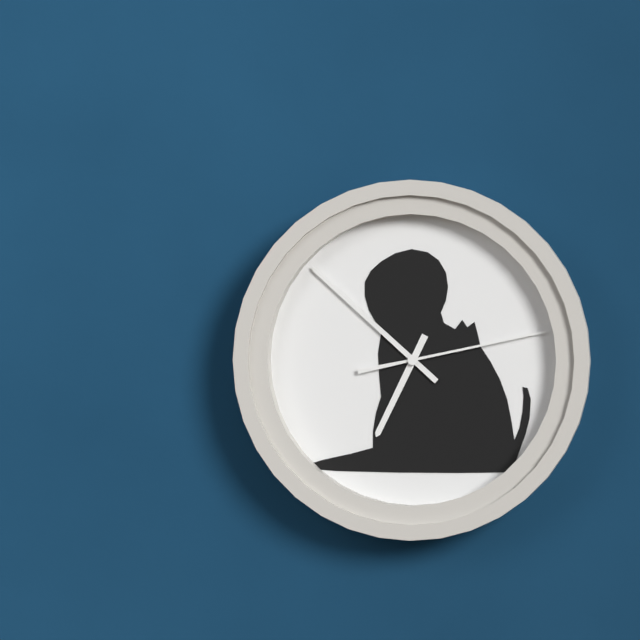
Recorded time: 6:52:13
